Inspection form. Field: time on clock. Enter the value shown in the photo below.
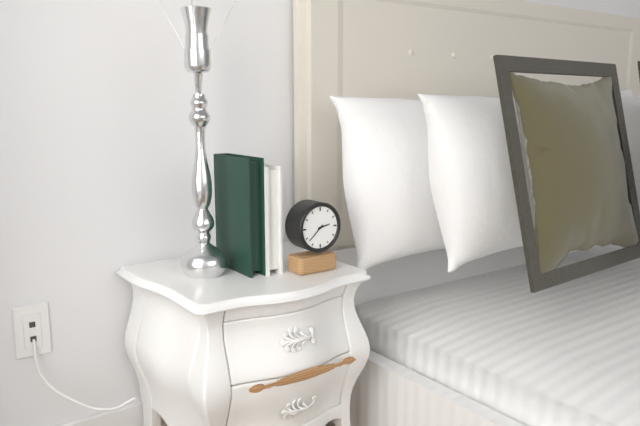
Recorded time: 2:38
